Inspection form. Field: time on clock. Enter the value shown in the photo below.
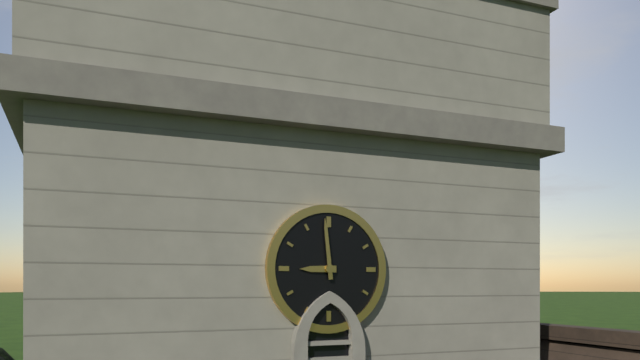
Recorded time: 8:59
